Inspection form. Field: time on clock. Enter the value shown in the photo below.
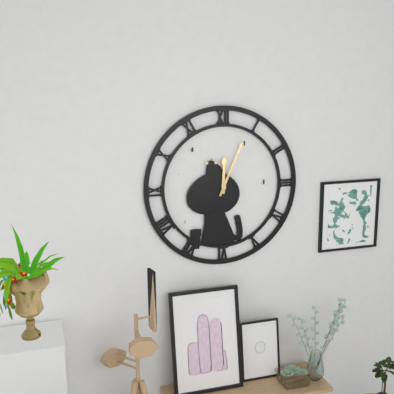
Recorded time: 12:04
